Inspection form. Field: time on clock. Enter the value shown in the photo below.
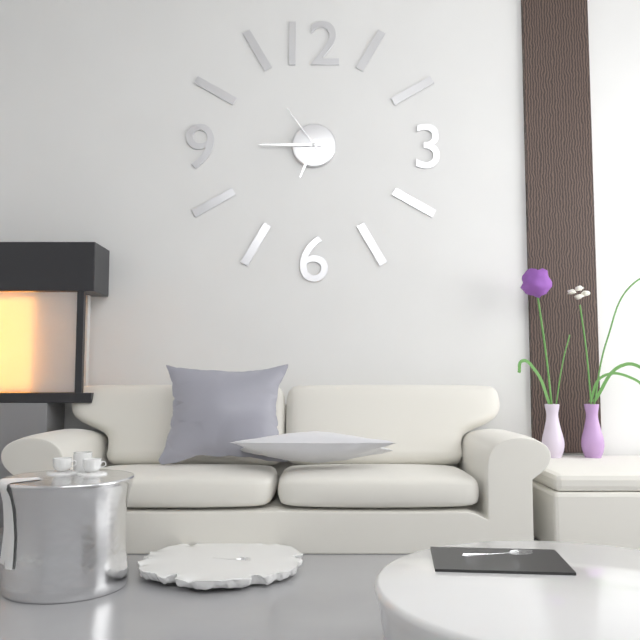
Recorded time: 6:45:54
